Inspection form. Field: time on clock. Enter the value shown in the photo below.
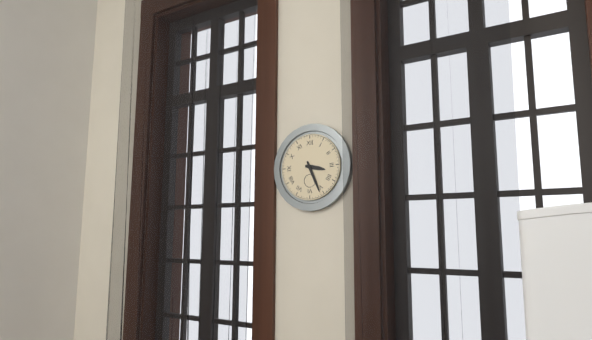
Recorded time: 3:26
